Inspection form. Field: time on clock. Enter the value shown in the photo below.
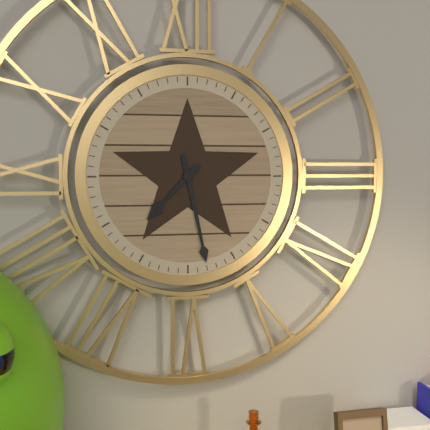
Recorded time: 7:28
